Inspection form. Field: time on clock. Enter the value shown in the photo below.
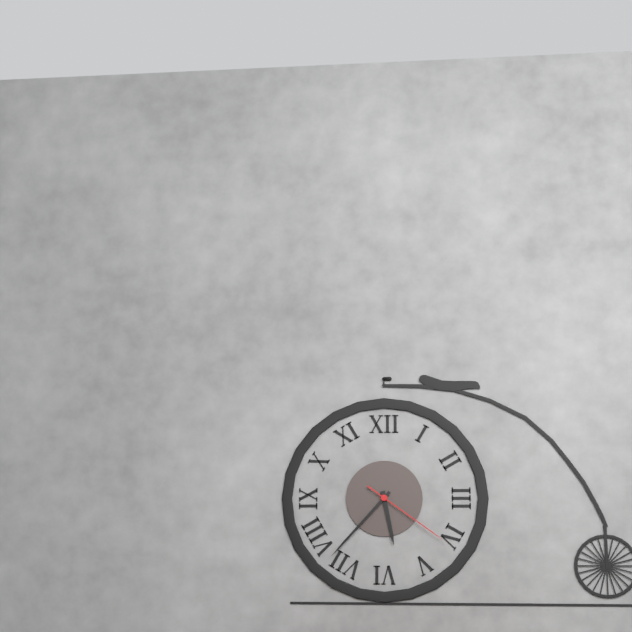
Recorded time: 5:37:21
